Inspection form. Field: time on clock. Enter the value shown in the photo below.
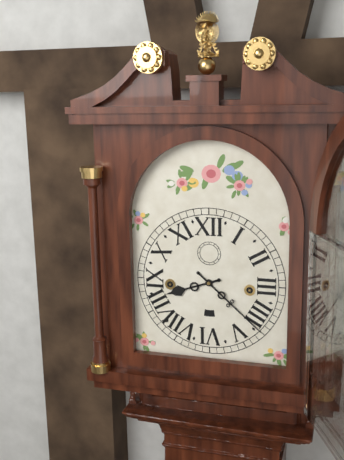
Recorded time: 8:22
